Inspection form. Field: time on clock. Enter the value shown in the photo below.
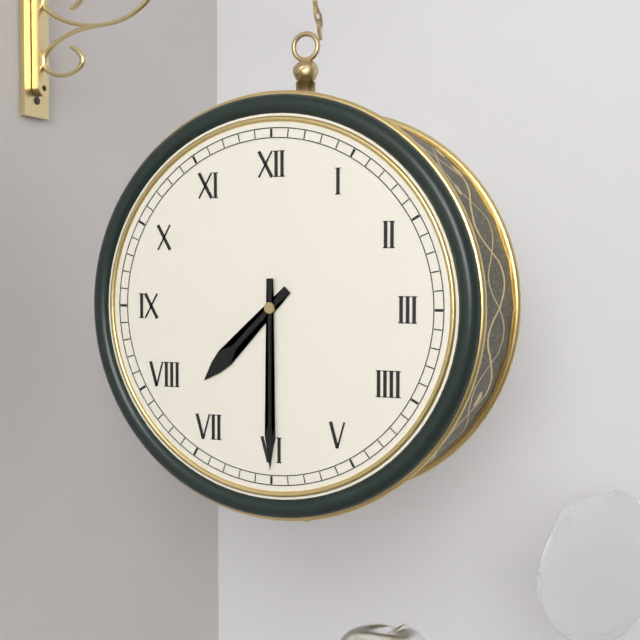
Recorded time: 7:30
